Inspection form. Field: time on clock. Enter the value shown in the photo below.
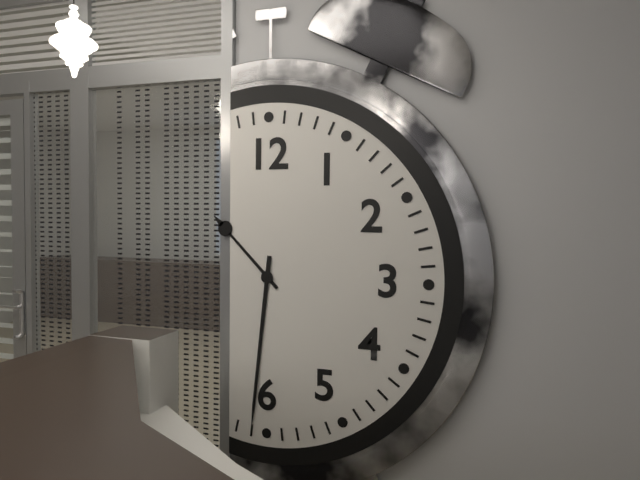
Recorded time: 10:31
